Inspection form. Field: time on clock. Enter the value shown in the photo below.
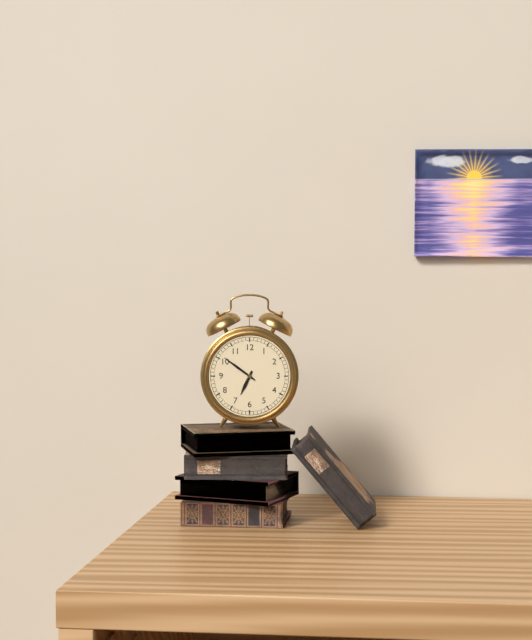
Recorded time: 6:51
